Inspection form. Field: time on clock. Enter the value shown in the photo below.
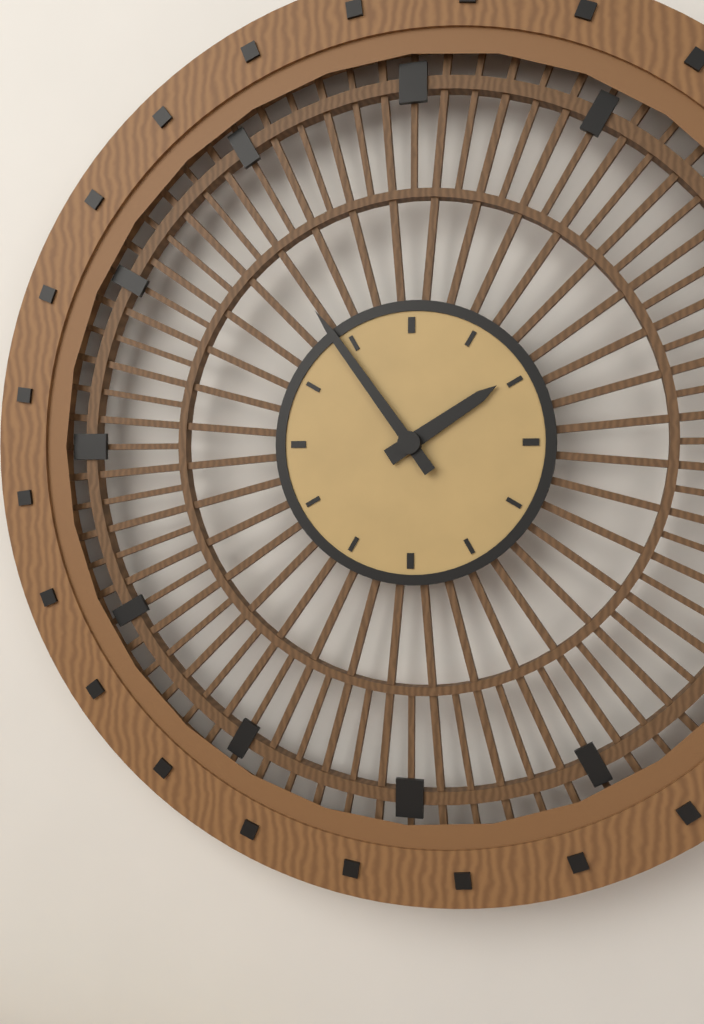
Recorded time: 1:54
